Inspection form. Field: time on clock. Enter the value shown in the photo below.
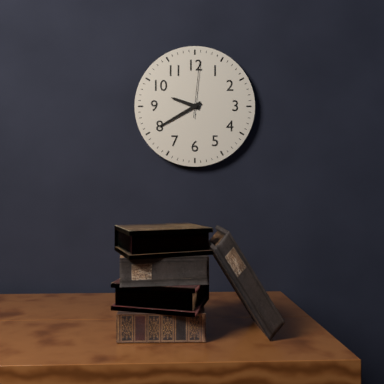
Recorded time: 9:40:01
